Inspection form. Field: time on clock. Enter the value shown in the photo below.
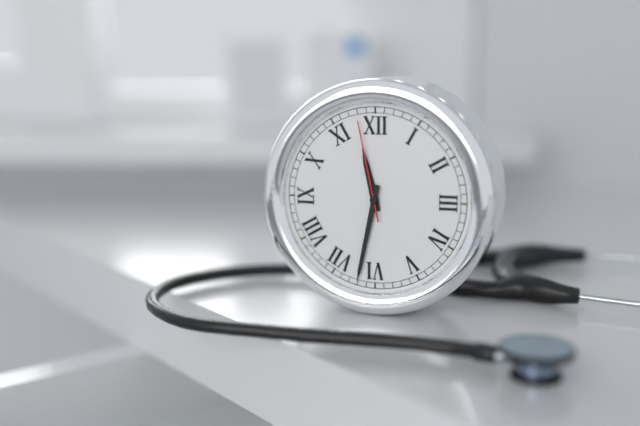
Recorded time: 11:32:58
